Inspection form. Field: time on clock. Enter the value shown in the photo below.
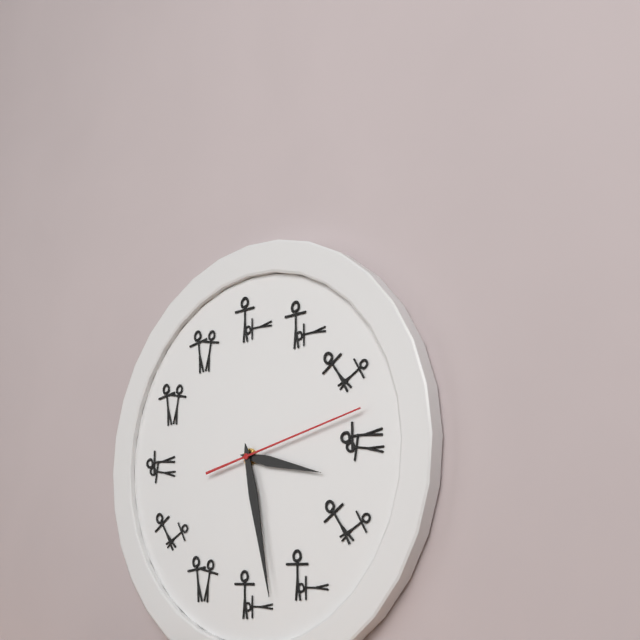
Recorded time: 3:28:13
